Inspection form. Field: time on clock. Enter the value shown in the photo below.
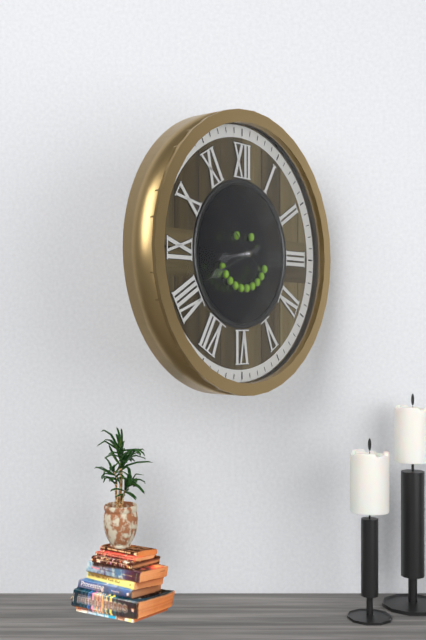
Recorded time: 8:41:52
